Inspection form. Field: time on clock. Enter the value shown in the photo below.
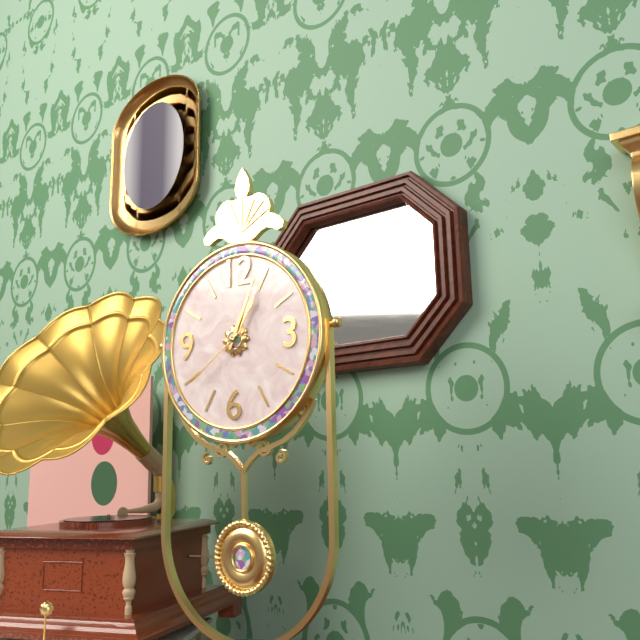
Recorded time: 1:04:39
